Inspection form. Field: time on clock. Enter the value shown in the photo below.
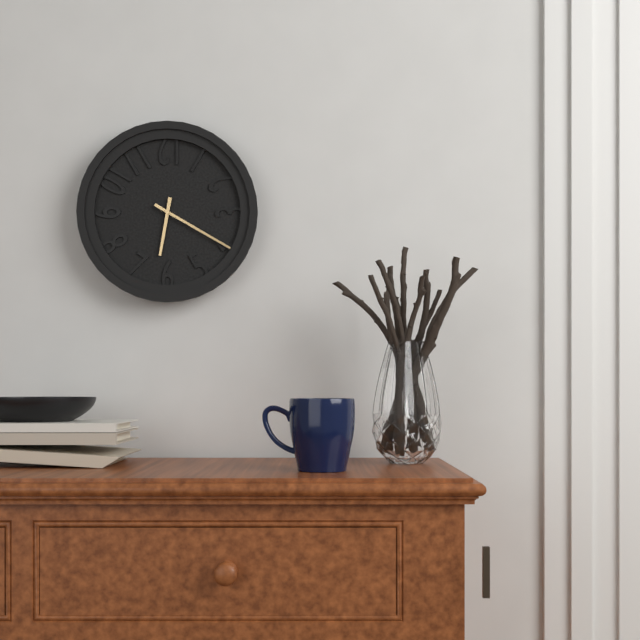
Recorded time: 6:20
